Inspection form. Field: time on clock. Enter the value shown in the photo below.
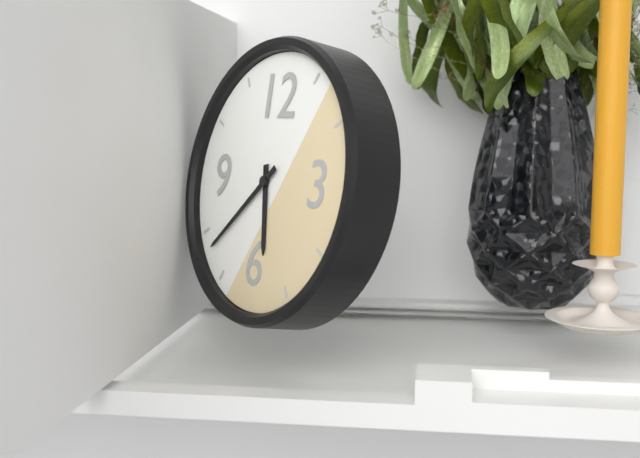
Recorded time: 5:38
